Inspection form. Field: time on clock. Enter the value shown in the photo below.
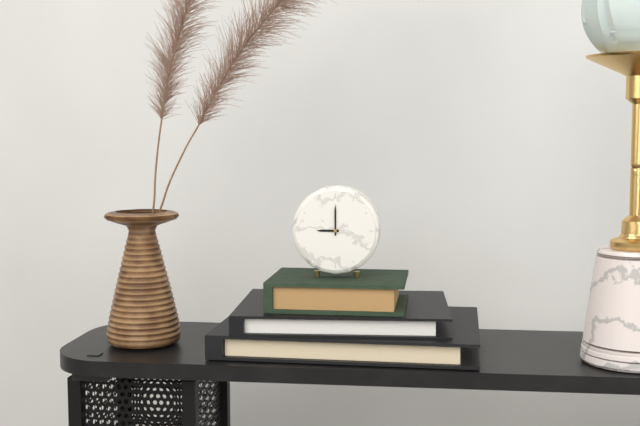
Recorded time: 9:00
